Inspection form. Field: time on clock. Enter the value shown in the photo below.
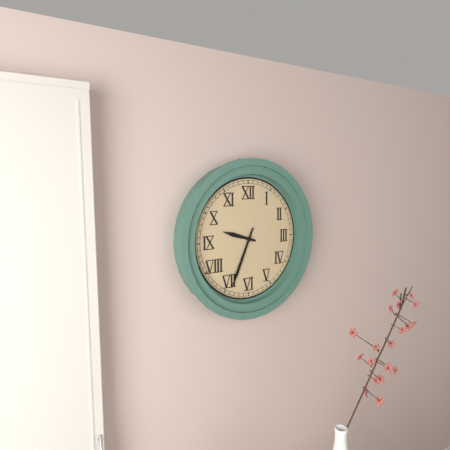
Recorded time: 9:34
